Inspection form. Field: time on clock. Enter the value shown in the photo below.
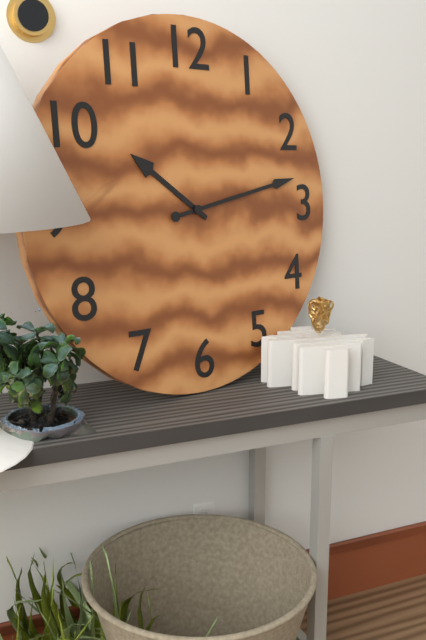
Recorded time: 10:13
